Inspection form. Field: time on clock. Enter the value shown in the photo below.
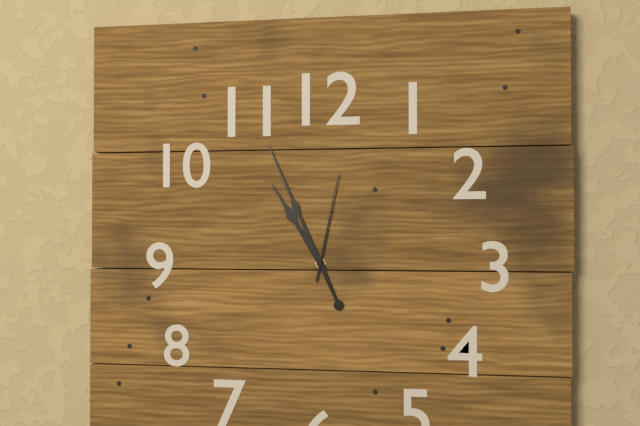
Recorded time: 10:56:02
